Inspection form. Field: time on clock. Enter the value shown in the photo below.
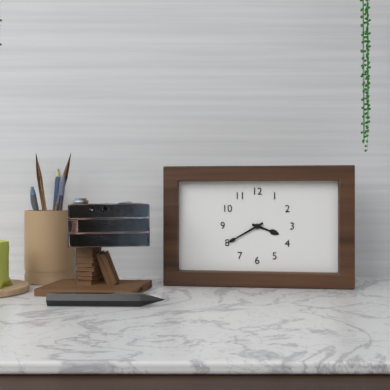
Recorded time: 3:40
